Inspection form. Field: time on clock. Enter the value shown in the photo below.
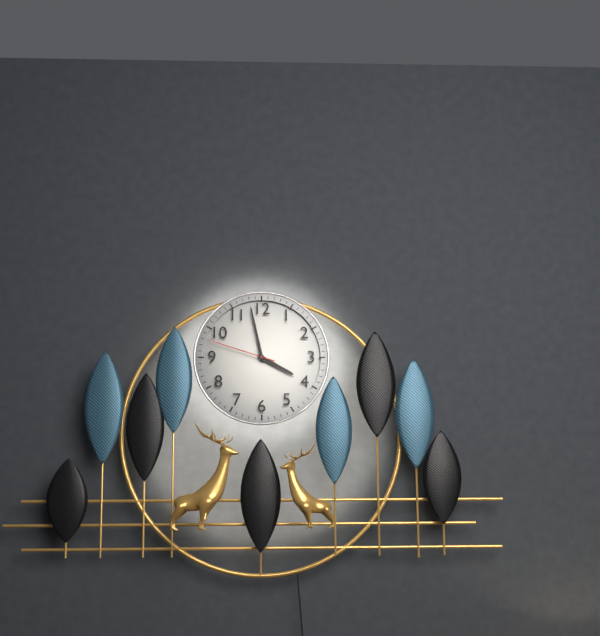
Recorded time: 3:58:48
